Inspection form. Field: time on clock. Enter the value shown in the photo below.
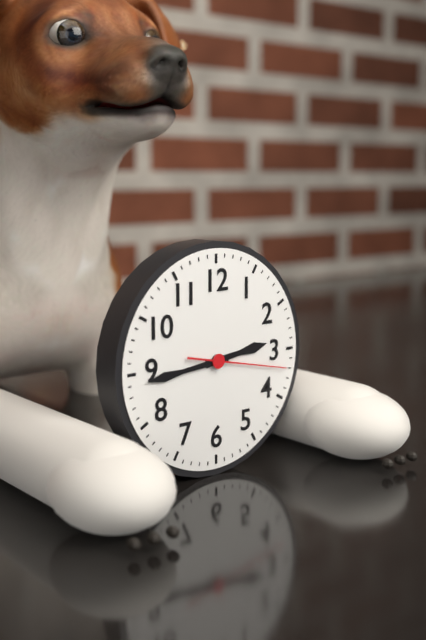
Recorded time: 2:44:17
